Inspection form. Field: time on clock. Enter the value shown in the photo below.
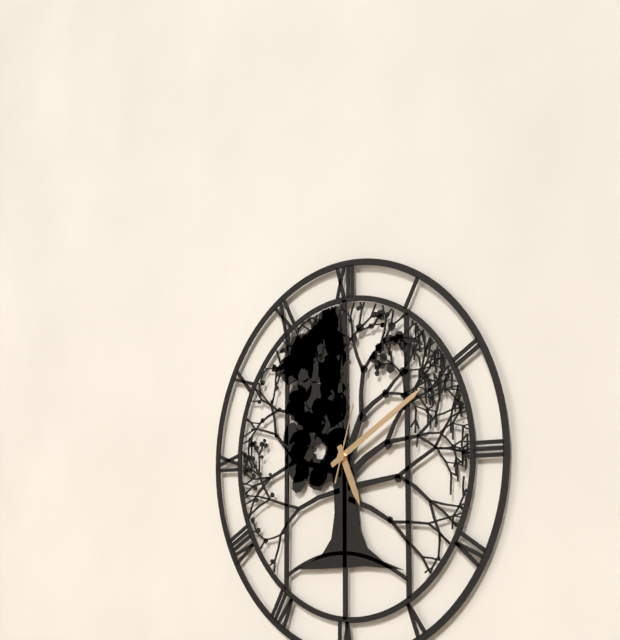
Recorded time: 5:10:03
